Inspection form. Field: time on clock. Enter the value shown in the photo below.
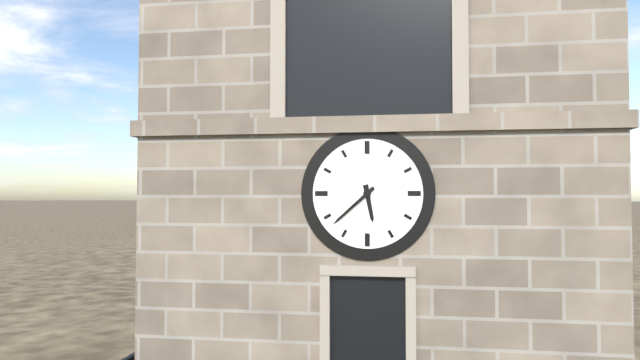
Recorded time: 5:38
